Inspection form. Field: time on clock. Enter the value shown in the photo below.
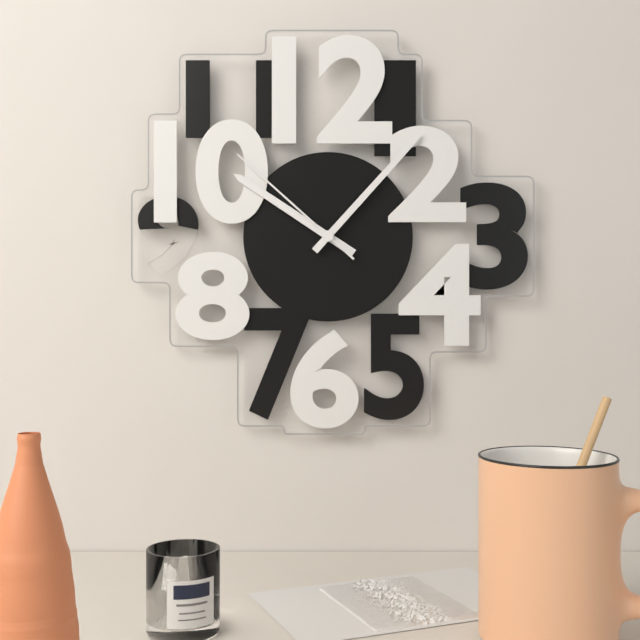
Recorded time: 10:07:52
